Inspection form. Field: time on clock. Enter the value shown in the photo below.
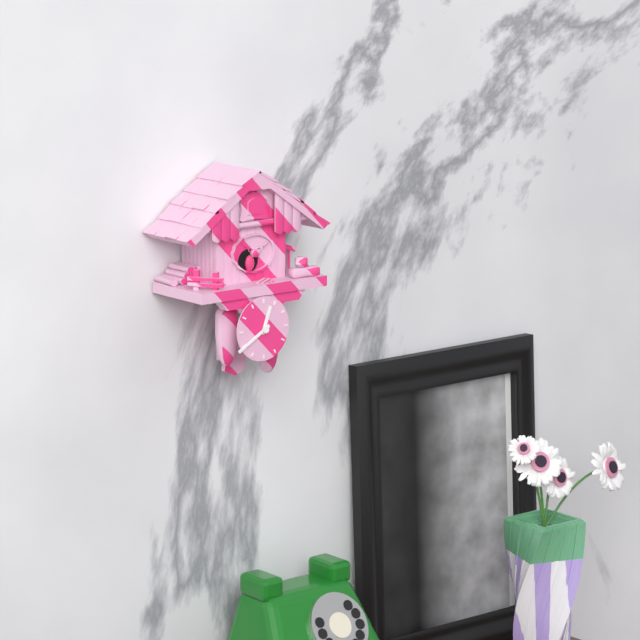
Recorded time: 12:40
